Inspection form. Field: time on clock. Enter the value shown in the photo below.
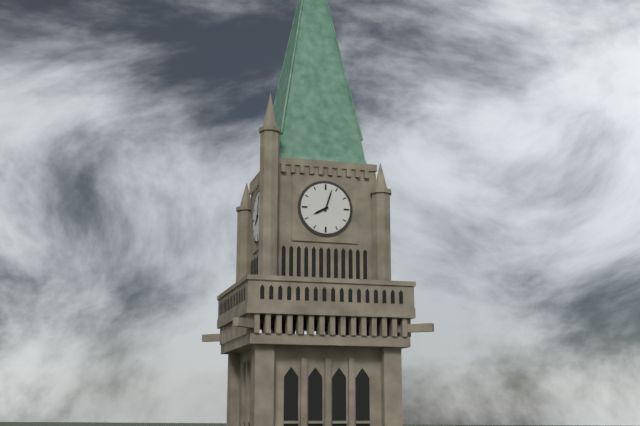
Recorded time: 8:03
